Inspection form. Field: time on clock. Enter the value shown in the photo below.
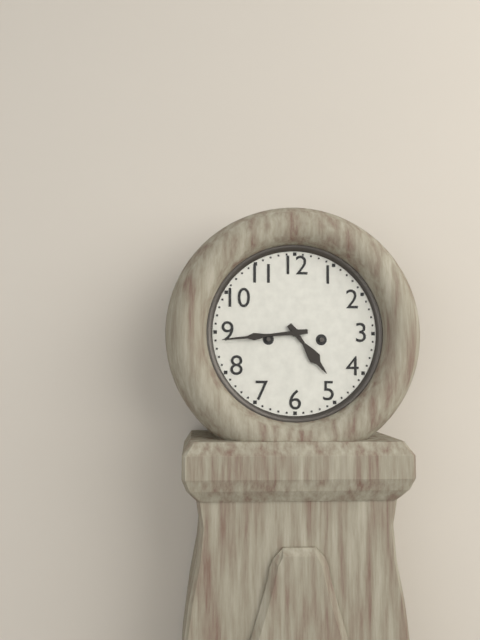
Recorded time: 4:44
